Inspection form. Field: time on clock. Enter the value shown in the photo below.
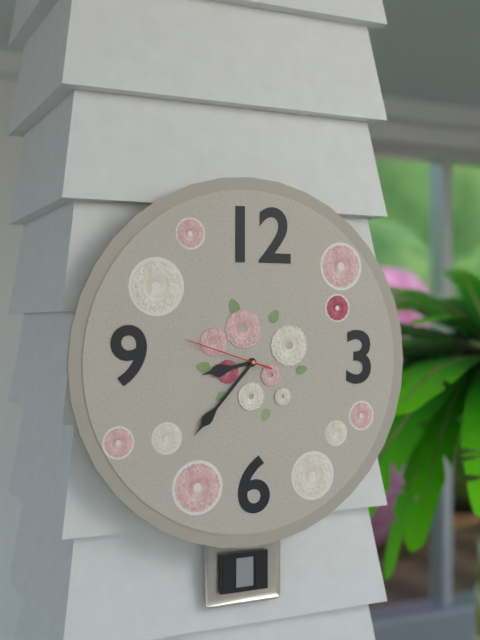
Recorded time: 8:37:48
